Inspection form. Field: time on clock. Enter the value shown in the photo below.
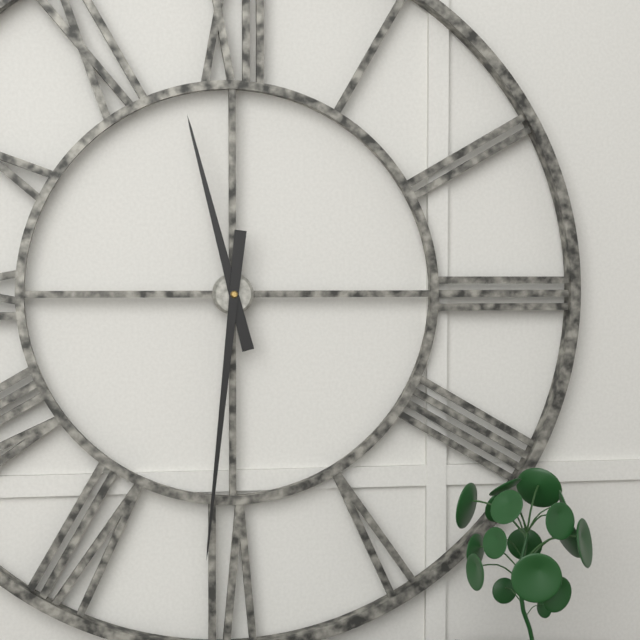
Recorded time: 11:31
